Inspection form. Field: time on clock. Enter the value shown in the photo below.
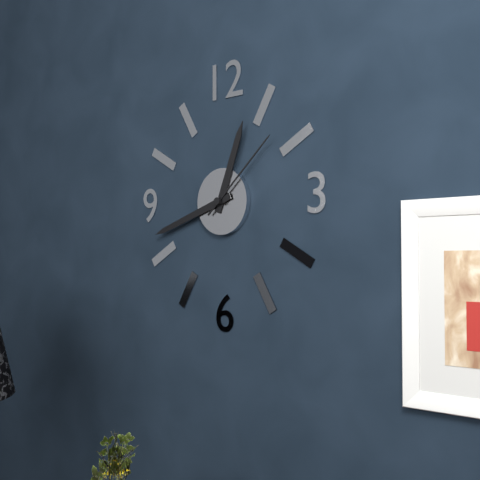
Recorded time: 12:42:08
